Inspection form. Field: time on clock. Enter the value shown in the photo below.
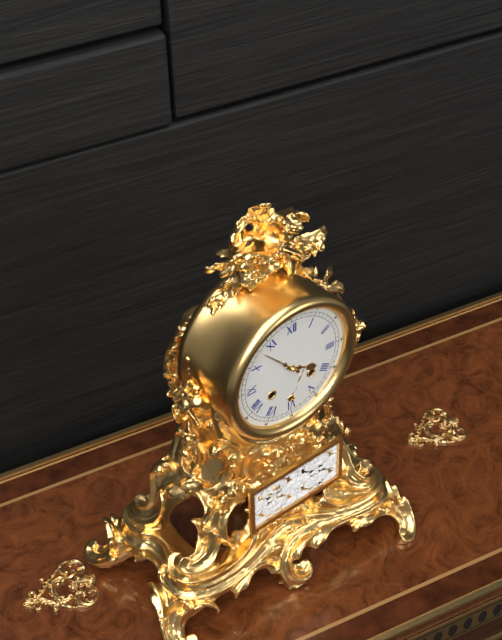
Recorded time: 3:53
